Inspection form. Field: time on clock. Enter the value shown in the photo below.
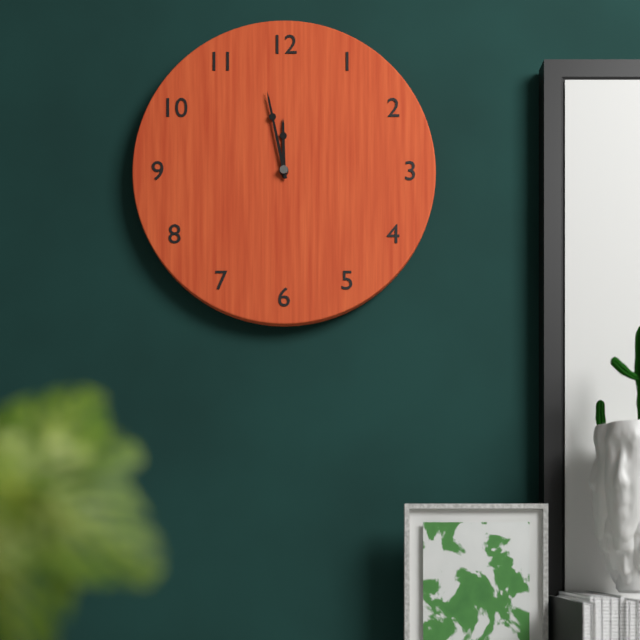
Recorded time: 11:58
